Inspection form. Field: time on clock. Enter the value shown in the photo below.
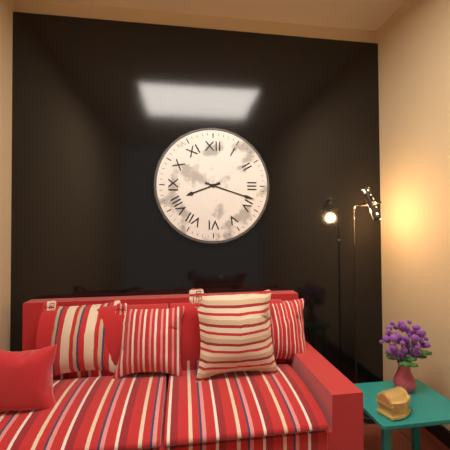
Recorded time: 8:18
